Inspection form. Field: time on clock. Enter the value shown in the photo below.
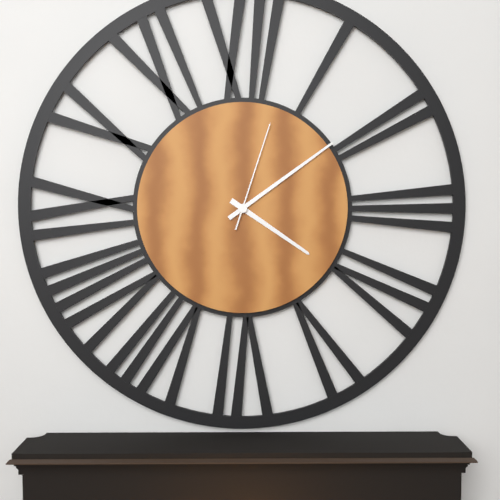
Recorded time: 4:09:03
